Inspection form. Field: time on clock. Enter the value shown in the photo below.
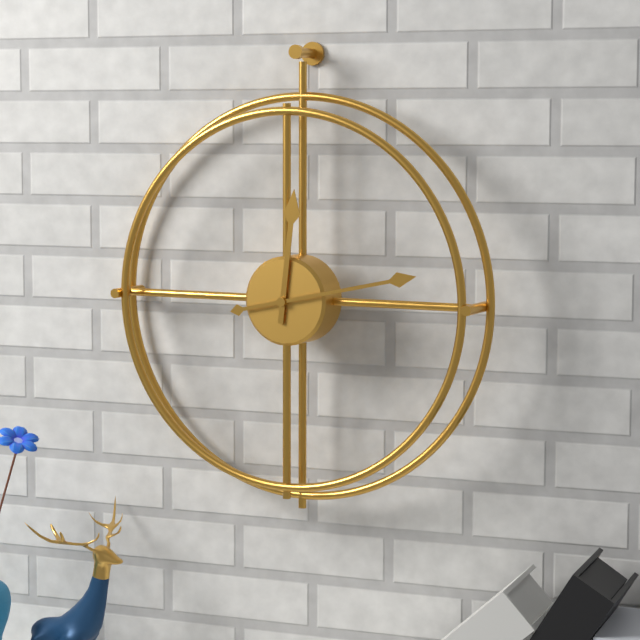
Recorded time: 12:13
